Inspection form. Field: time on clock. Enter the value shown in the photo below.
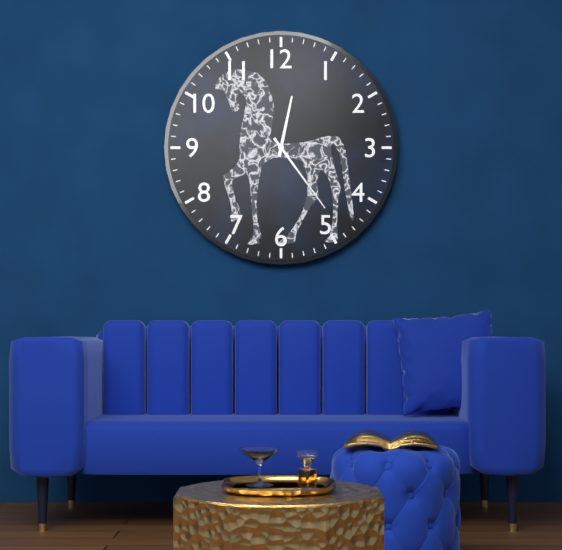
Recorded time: 12:24
